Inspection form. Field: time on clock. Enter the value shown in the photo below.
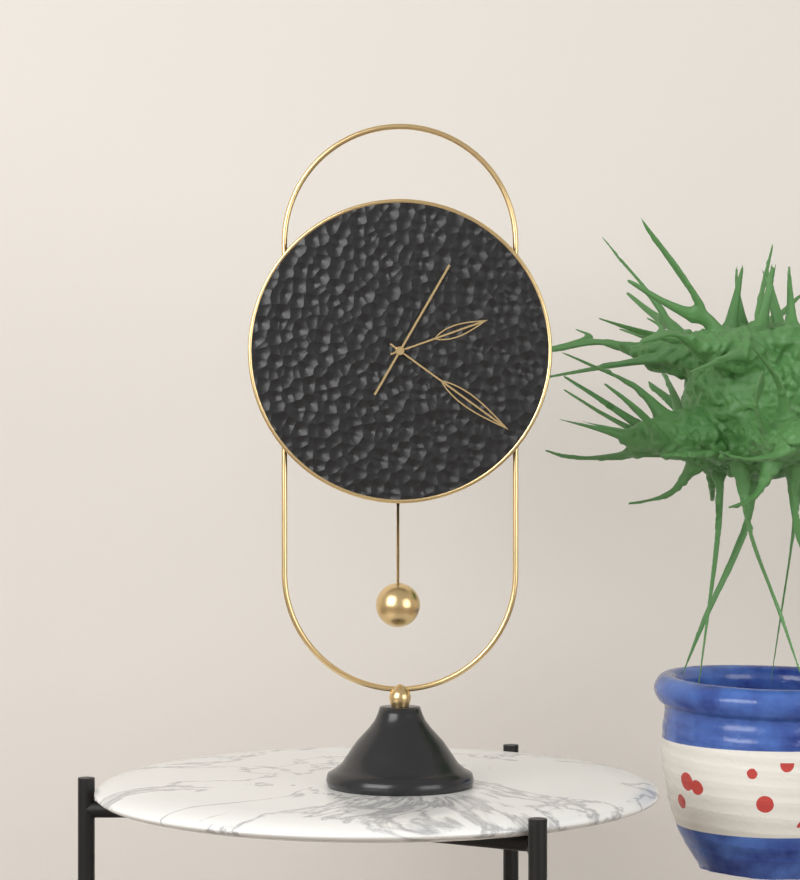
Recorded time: 2:21:05
